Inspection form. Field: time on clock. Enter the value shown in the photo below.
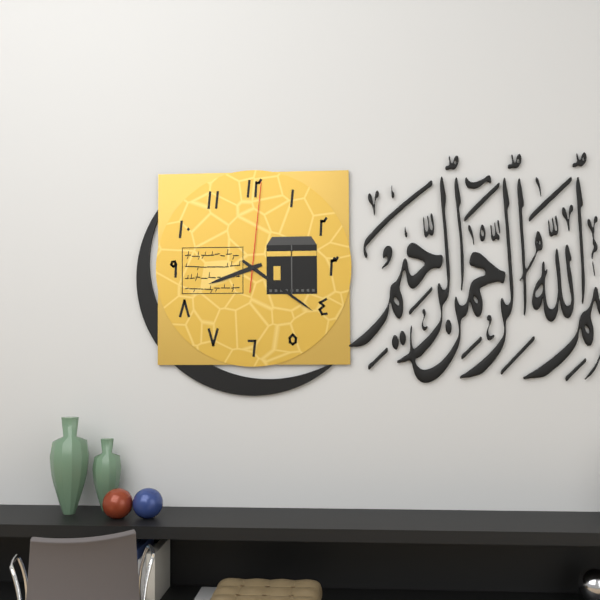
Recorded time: 8:21:01
